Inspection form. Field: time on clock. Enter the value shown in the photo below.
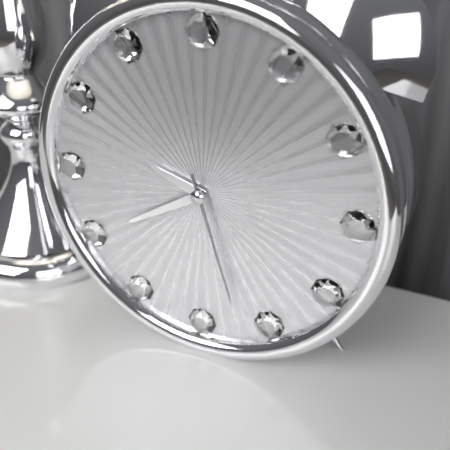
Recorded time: 9:40:27
